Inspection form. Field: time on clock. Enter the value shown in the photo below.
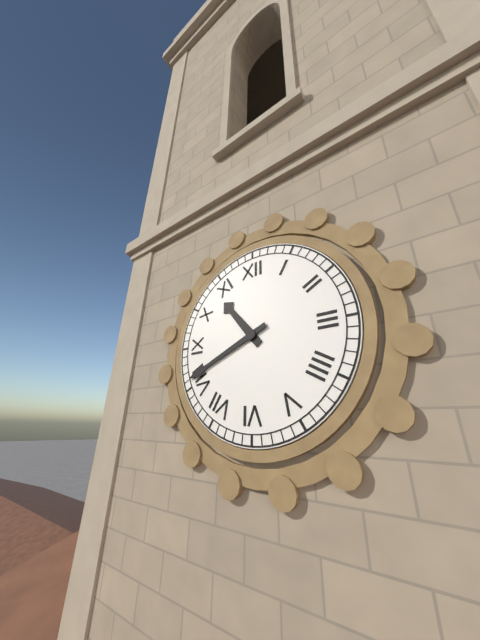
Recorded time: 10:41
